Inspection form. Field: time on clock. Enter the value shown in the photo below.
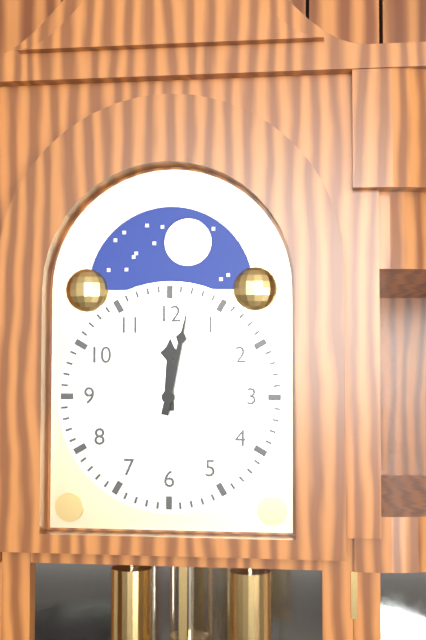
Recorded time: 12:02
